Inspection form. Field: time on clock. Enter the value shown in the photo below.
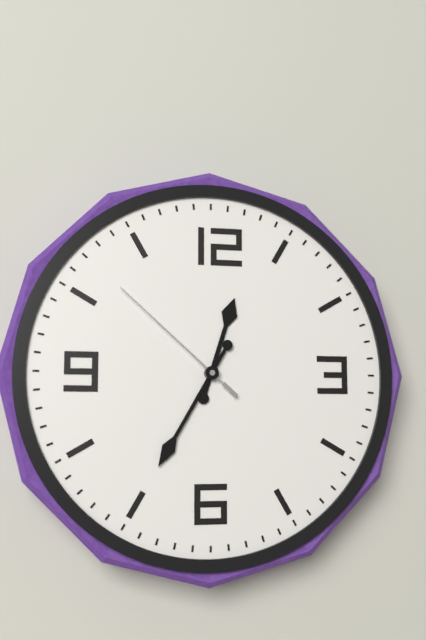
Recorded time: 12:35:52
